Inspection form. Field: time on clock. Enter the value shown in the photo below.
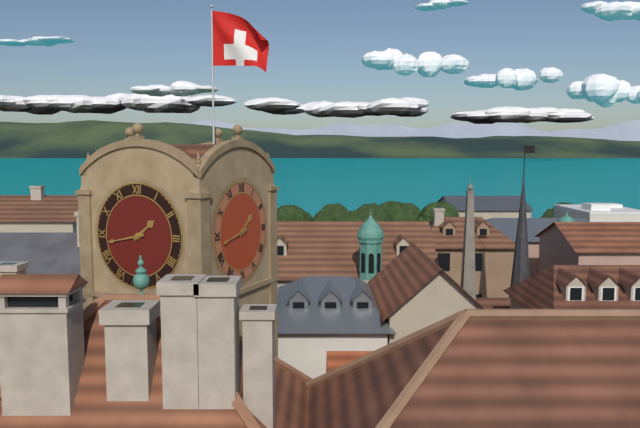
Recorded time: 1:43
